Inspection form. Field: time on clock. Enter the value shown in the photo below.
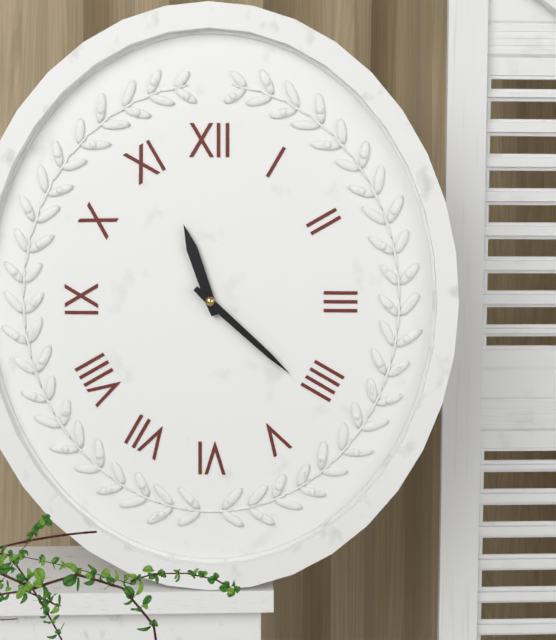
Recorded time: 11:22
